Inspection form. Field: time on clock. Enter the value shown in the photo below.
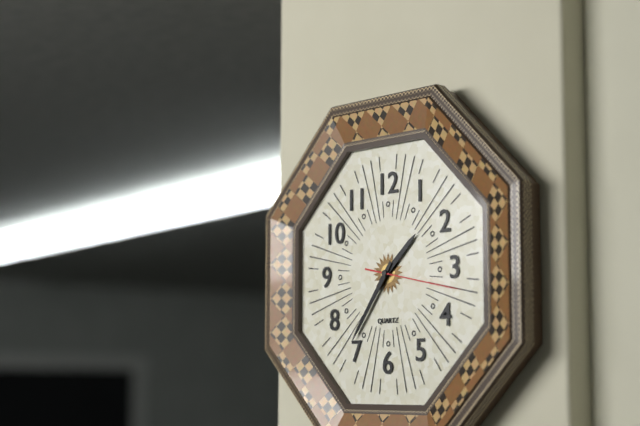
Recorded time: 1:36:17
